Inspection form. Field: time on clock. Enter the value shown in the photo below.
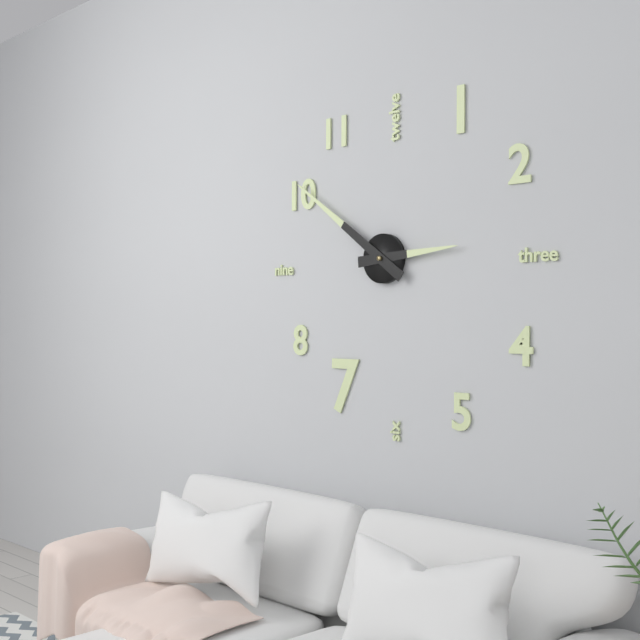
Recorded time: 2:51
